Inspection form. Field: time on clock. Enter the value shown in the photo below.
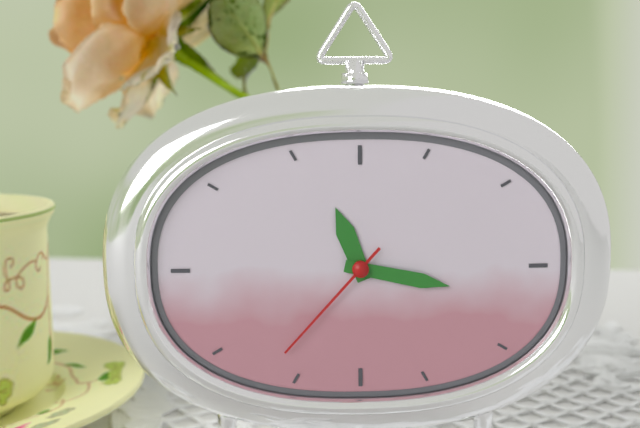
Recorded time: 11:17:37
